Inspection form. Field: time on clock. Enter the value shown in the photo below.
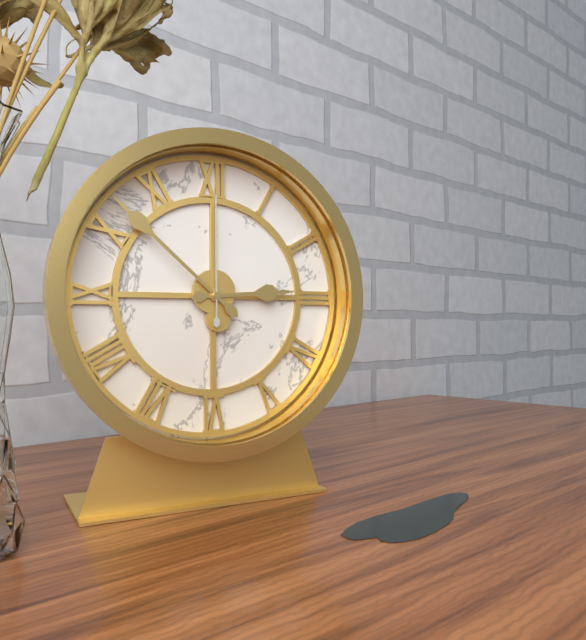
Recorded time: 2:52:00
